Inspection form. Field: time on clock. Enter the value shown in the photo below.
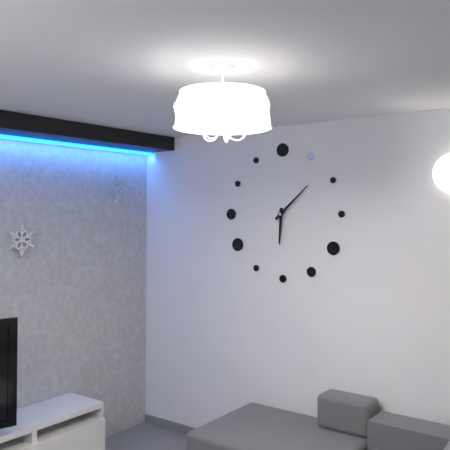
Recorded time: 6:08
